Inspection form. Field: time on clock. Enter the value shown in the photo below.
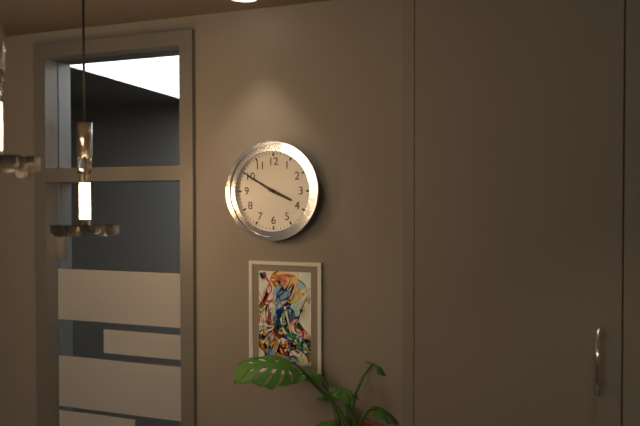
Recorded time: 3:50
